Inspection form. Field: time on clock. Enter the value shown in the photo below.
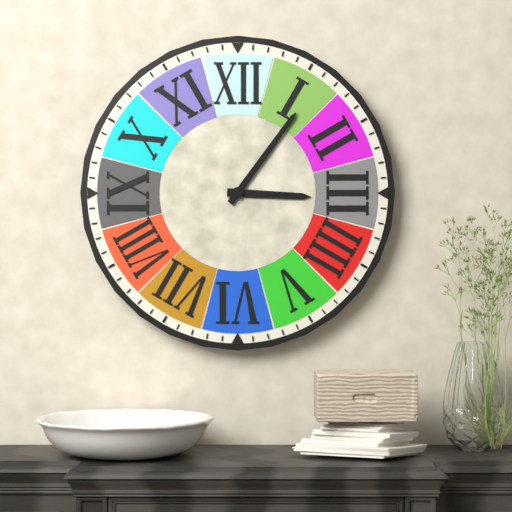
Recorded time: 3:06
